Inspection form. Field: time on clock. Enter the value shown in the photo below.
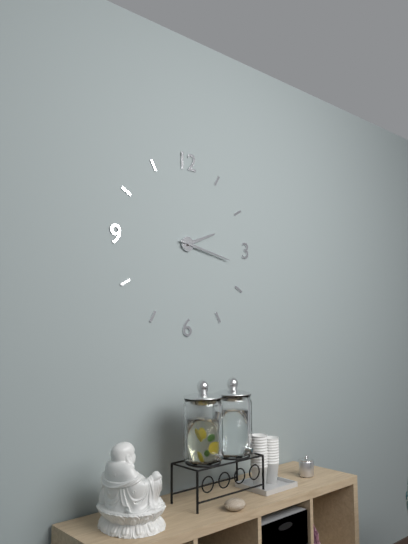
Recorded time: 2:17
